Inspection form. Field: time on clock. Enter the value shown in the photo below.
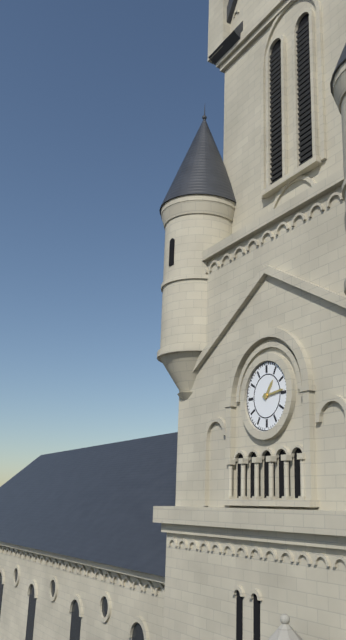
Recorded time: 1:14
